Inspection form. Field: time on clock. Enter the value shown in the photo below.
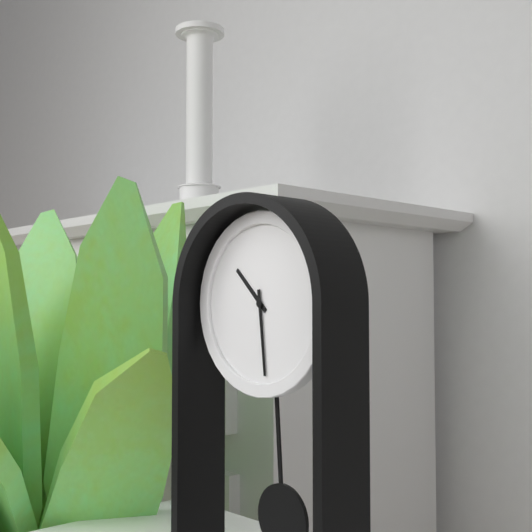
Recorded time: 10:29
